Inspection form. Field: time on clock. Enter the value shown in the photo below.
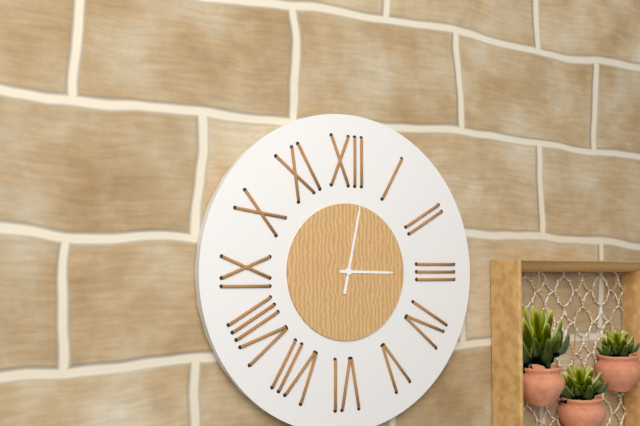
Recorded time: 3:02
